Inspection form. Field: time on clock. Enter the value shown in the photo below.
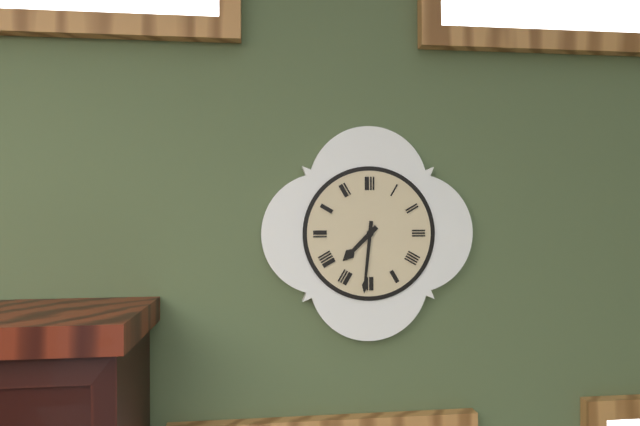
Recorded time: 7:31
